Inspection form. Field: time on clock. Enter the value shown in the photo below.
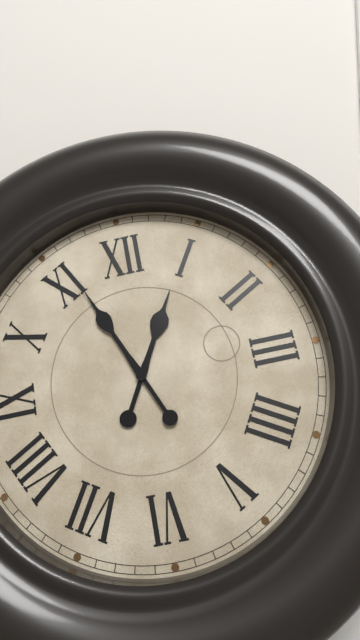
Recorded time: 12:56
